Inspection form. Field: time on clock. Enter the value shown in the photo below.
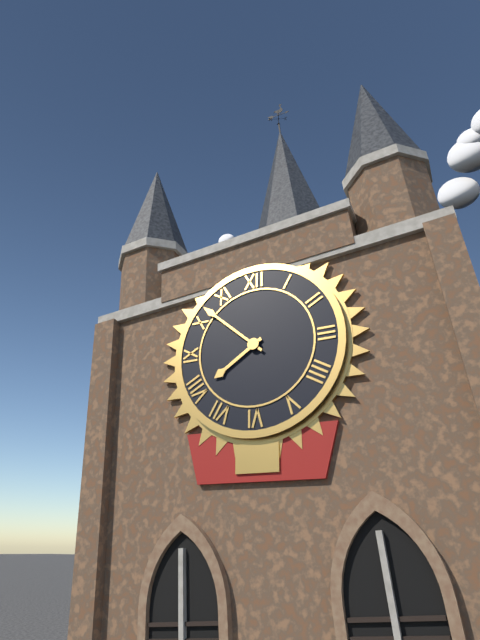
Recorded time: 7:52
